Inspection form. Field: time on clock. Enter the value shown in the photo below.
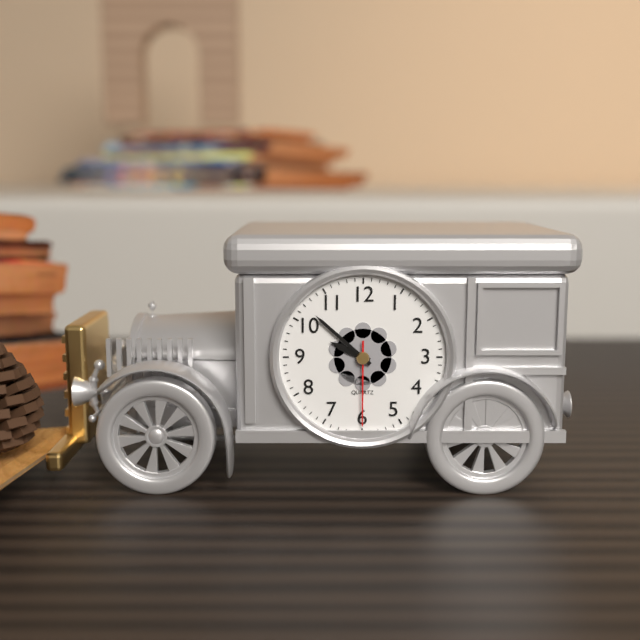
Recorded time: 9:52:30
